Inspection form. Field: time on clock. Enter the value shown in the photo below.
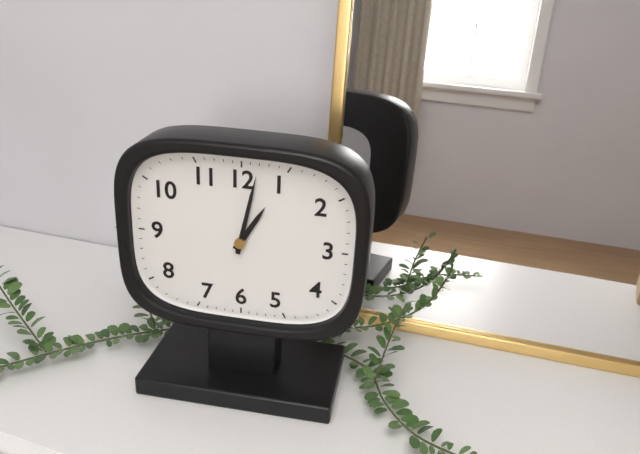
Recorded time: 1:02
